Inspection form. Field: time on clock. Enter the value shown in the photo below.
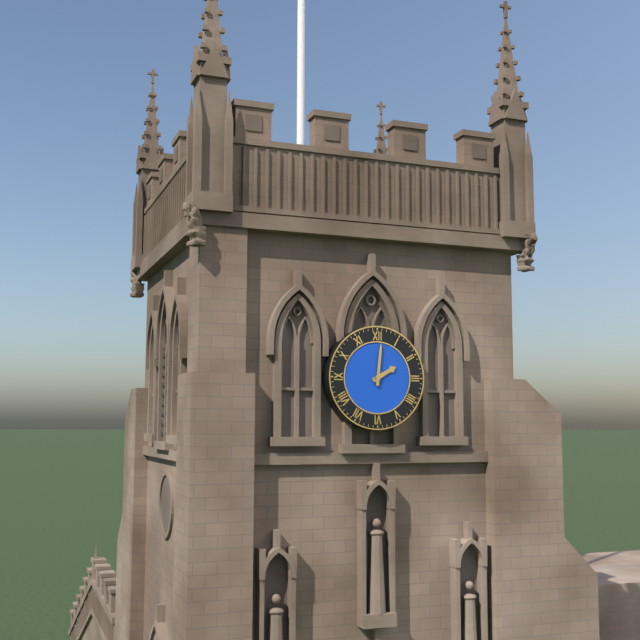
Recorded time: 2:01
